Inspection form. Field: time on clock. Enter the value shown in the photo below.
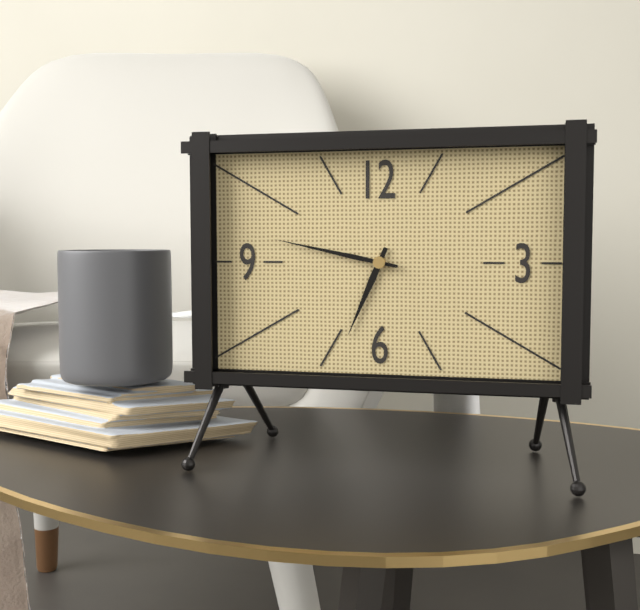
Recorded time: 6:47
